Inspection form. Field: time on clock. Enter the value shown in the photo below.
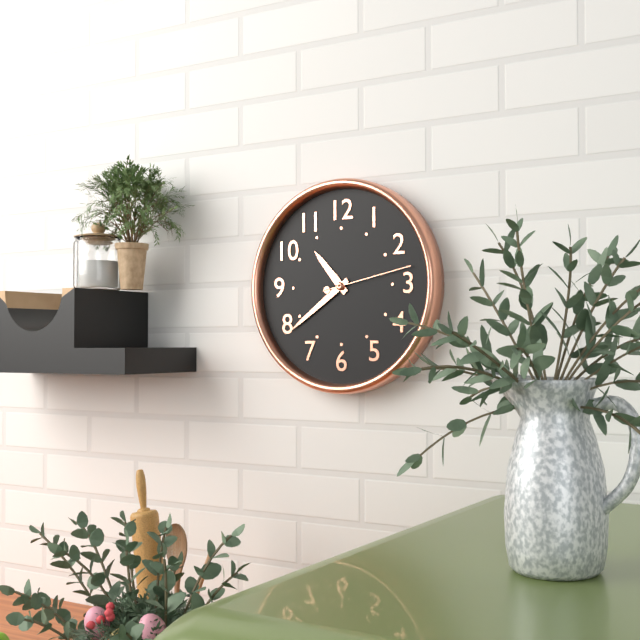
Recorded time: 10:39:13
